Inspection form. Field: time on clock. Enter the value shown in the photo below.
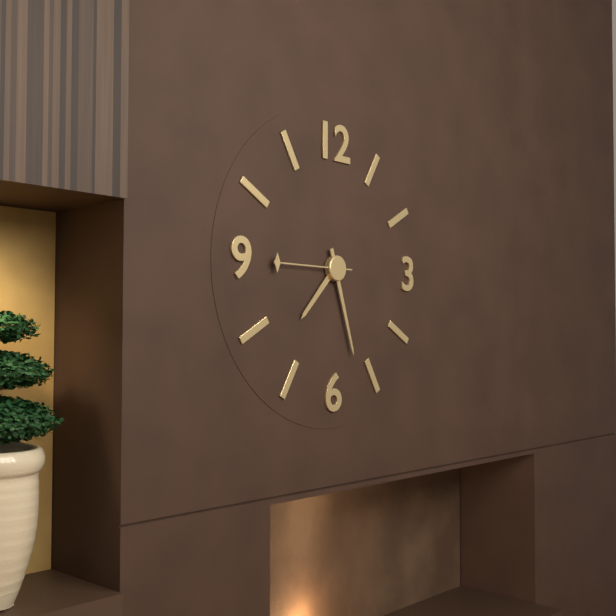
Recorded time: 7:27:45
